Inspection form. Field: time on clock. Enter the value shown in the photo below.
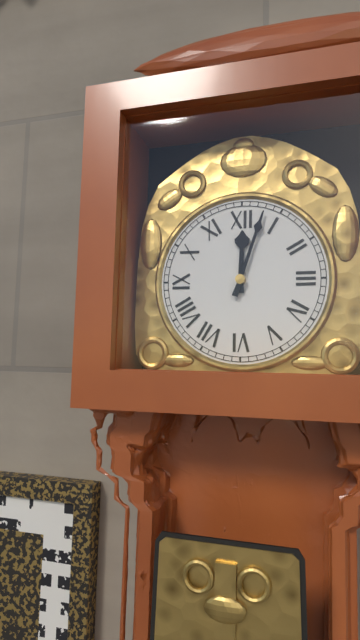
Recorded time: 12:03
